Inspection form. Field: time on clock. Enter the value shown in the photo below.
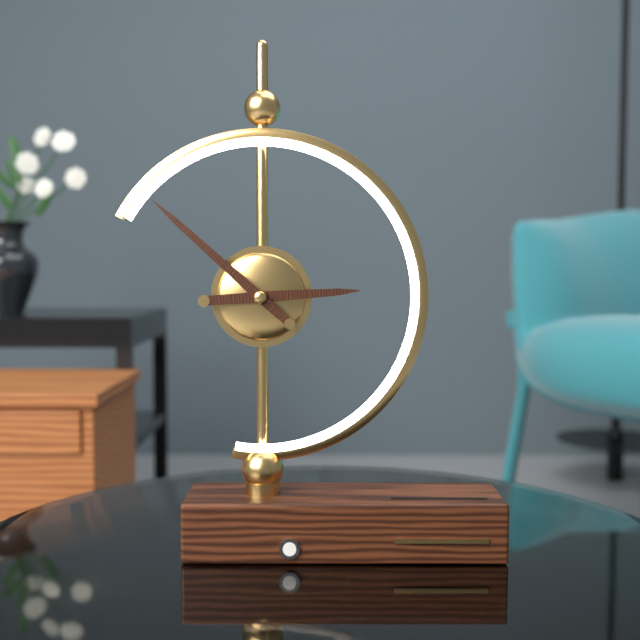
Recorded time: 2:52
